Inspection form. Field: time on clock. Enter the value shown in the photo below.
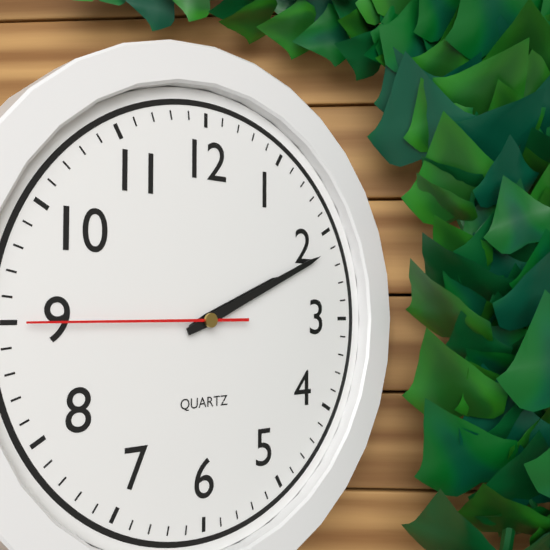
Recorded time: 2:11:45
